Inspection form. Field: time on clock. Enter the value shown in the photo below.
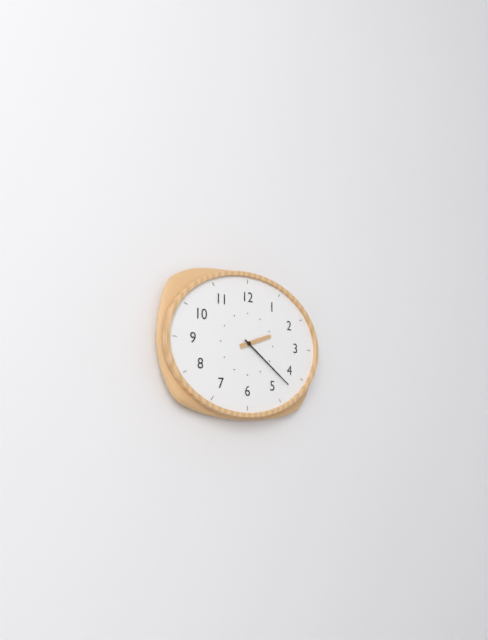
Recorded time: 2:21
